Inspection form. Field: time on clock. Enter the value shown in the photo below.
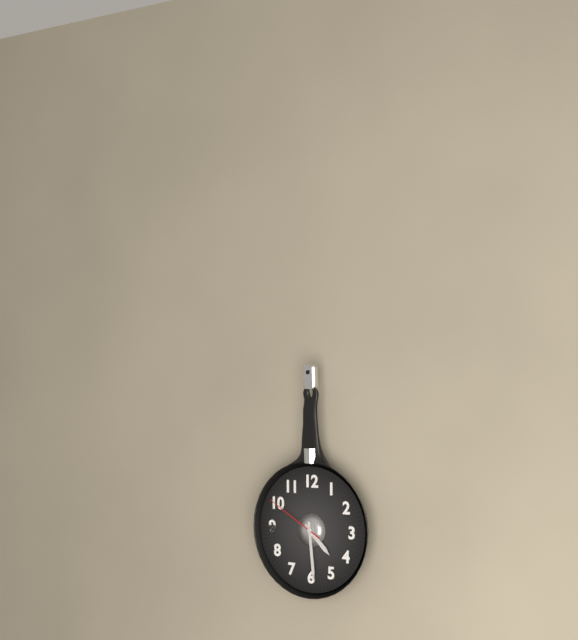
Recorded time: 4:29:50
